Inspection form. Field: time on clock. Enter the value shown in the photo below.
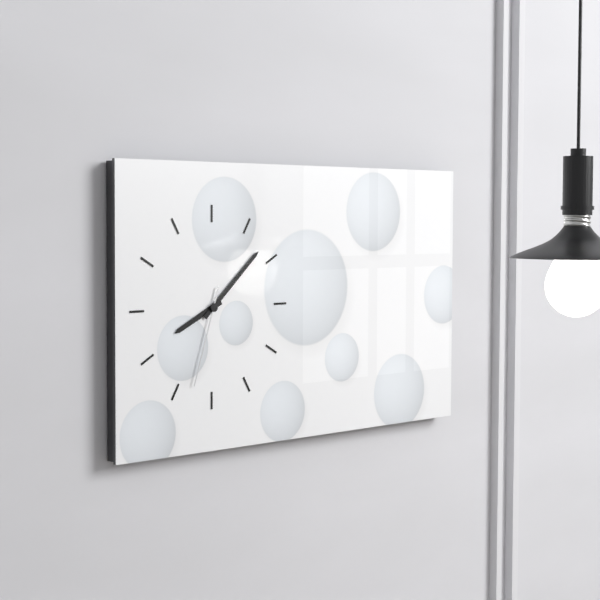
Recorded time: 8:08:33
